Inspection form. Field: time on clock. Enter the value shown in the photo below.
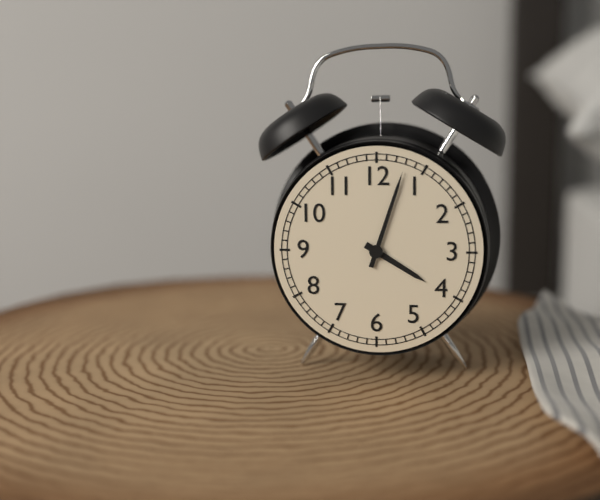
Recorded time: 4:03
